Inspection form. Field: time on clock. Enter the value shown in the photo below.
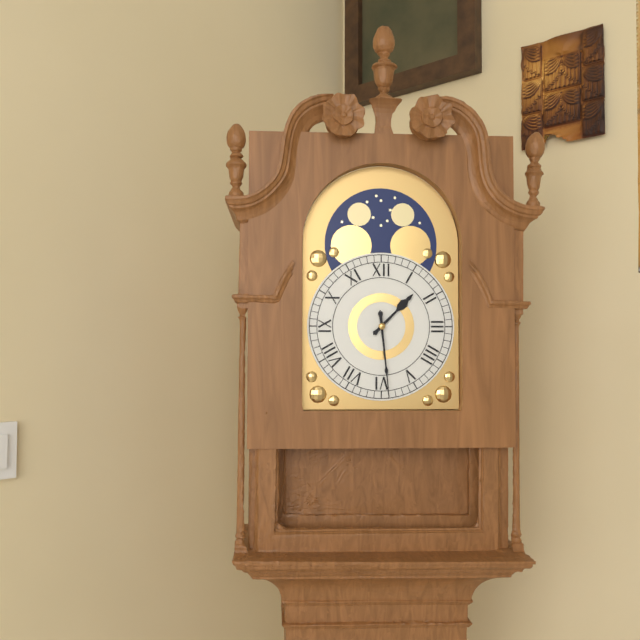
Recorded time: 1:29
